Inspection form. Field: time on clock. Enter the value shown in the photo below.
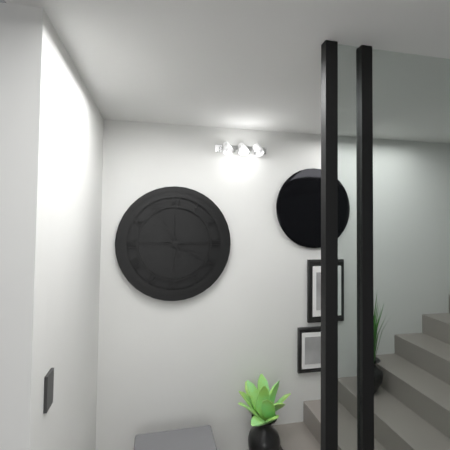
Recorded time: 3:56
